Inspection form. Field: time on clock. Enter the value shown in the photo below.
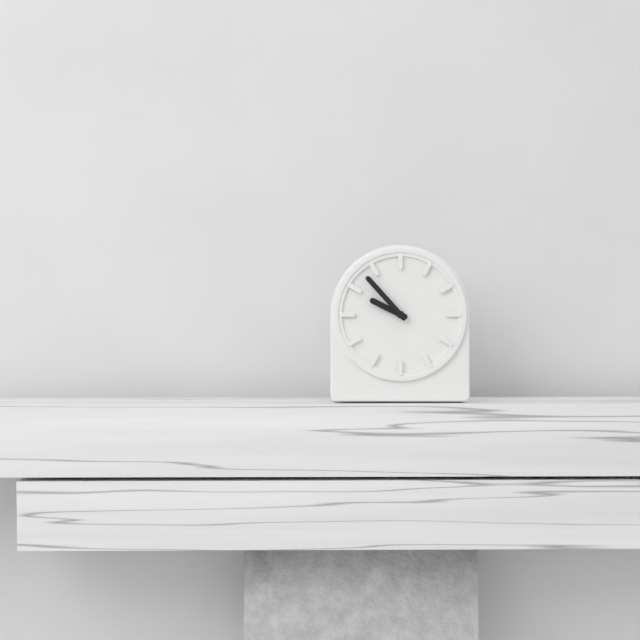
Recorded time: 9:53
